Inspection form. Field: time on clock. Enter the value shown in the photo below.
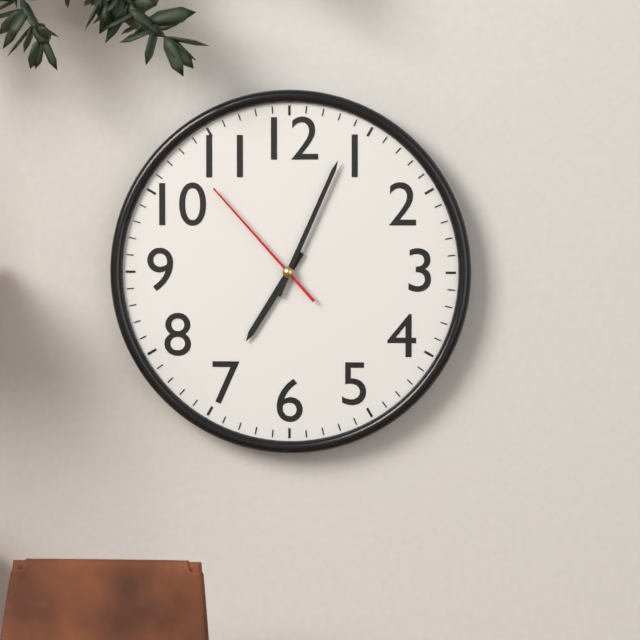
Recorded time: 7:04:53
